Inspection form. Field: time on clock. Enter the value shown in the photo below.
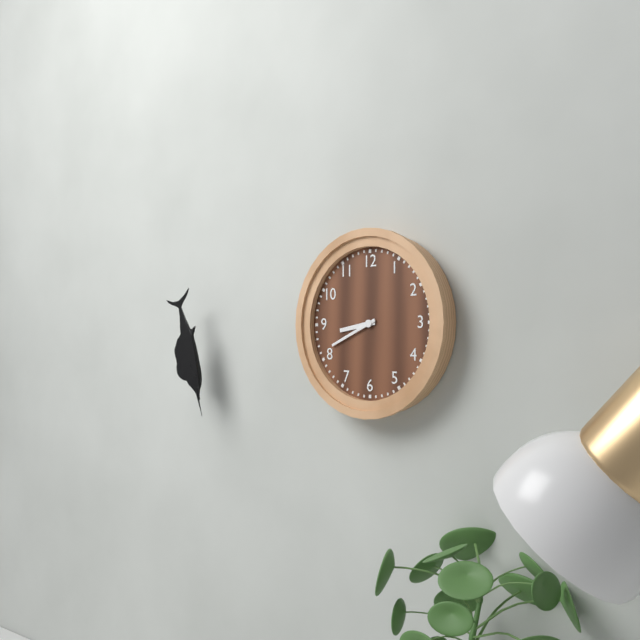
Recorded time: 8:41
